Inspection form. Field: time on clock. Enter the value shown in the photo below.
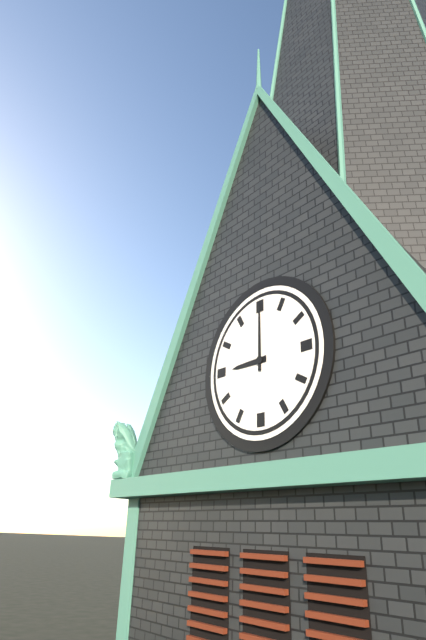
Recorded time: 9:00
